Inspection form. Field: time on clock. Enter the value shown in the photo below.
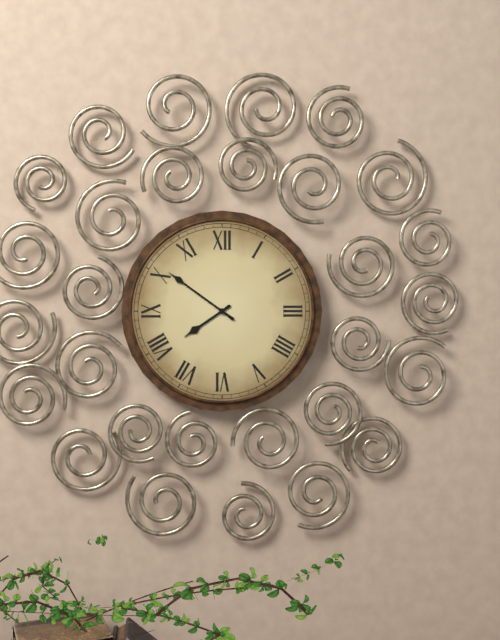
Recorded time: 7:51
